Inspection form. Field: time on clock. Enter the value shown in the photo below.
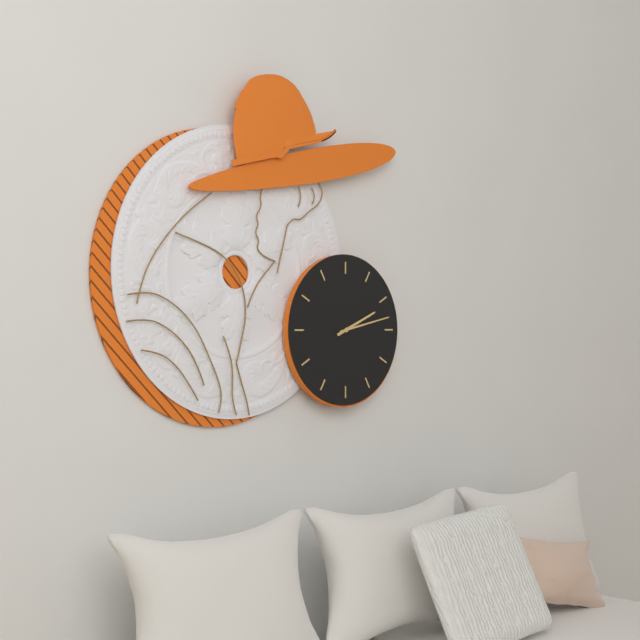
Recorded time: 2:13
